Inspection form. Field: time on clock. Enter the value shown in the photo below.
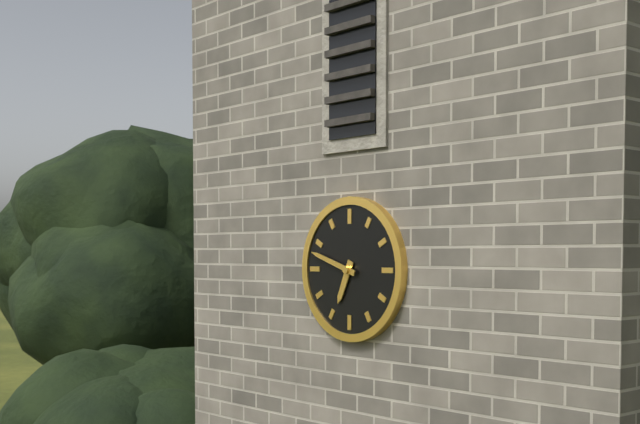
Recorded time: 6:48
